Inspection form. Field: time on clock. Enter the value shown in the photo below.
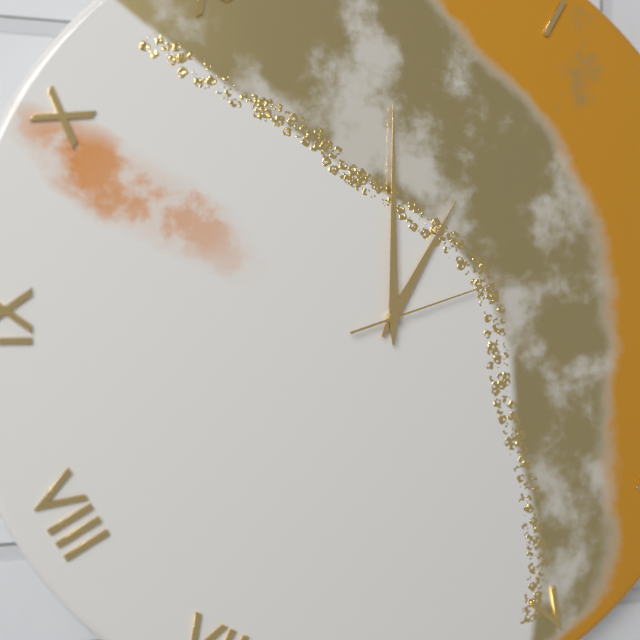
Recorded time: 1:00:12
